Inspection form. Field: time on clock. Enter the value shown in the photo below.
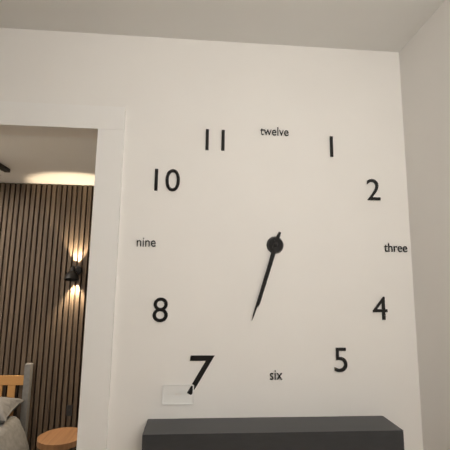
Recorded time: 6:33
